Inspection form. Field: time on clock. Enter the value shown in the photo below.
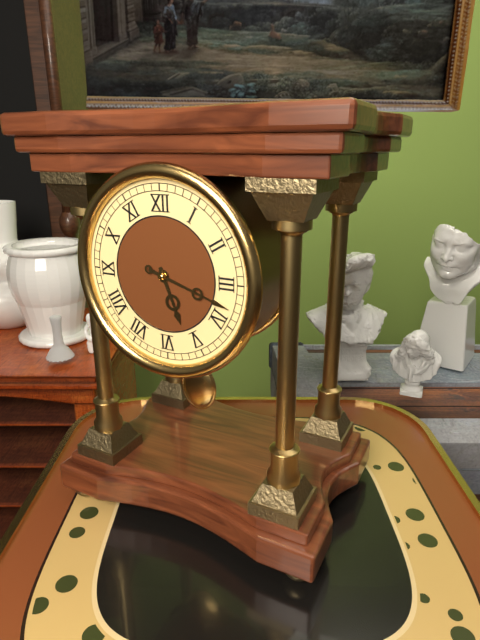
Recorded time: 5:18
